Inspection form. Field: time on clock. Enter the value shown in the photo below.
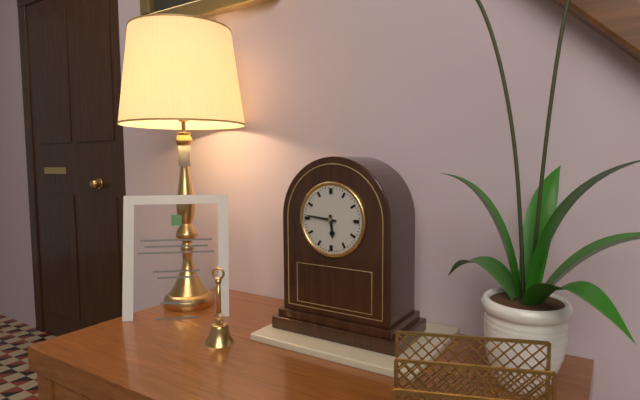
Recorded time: 5:46
